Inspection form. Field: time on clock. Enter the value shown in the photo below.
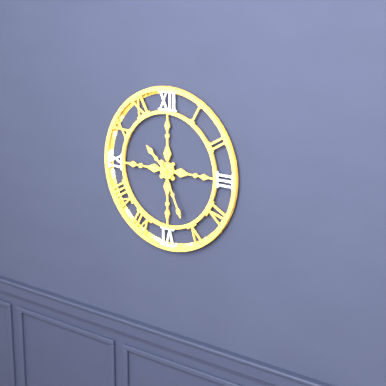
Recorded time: 10:26
